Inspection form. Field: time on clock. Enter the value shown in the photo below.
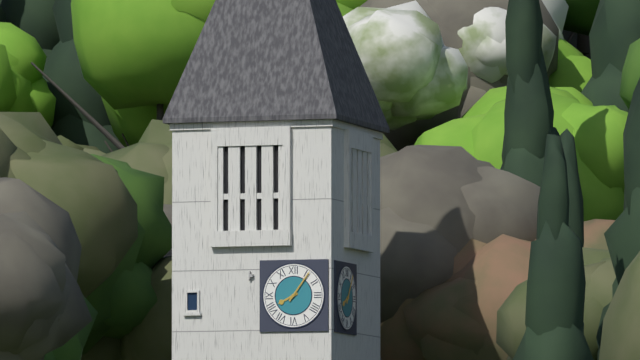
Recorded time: 8:06
